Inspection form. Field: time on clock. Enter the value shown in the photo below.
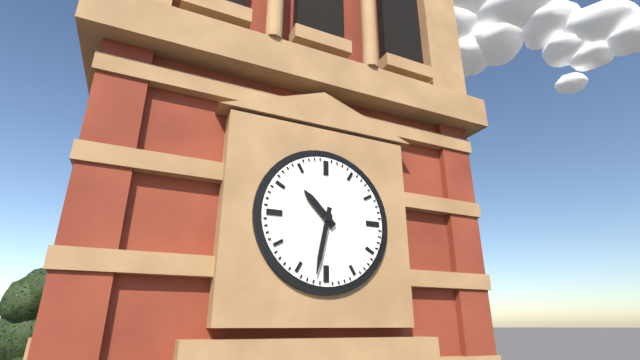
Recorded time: 10:32
